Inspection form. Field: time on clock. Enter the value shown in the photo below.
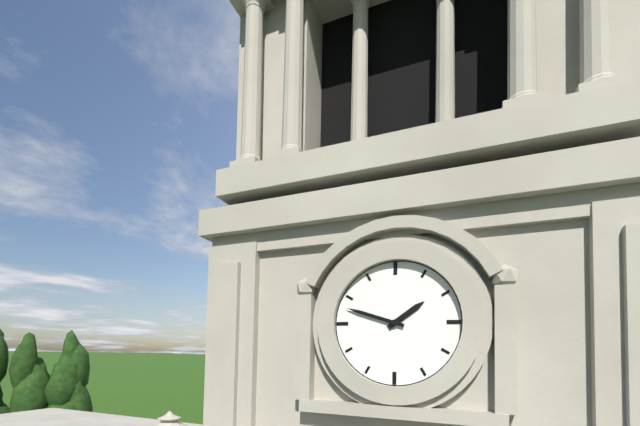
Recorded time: 1:48
